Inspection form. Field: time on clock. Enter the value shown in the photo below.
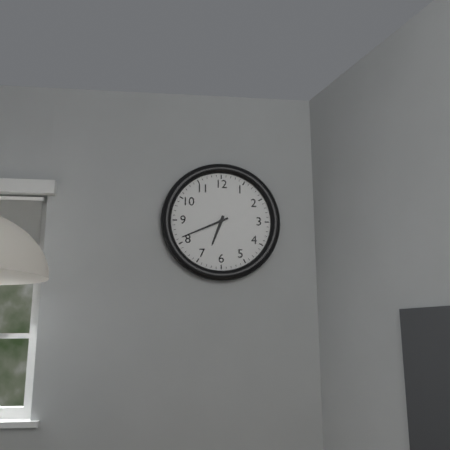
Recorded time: 6:41
